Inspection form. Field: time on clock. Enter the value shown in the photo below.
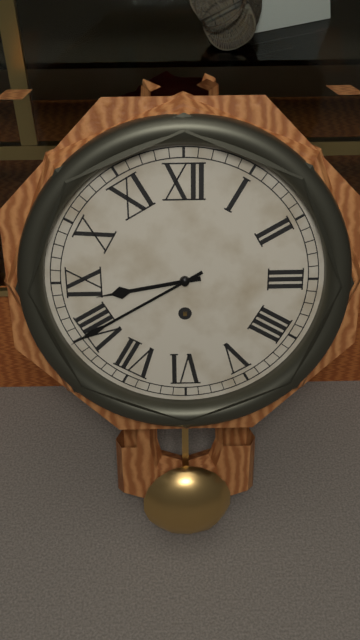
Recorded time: 8:40
